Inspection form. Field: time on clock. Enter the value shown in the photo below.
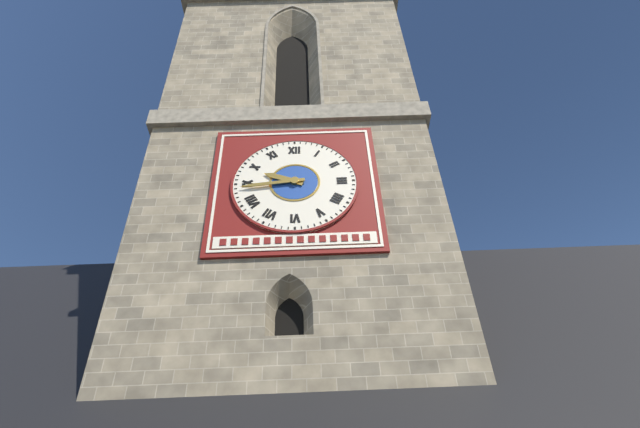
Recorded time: 9:44
